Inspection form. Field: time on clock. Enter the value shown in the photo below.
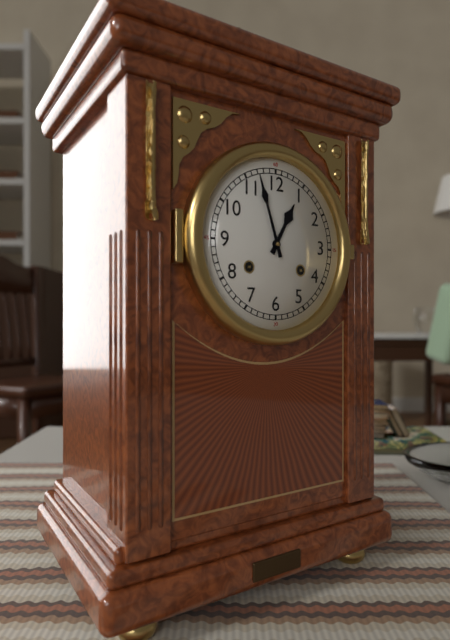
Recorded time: 12:57
